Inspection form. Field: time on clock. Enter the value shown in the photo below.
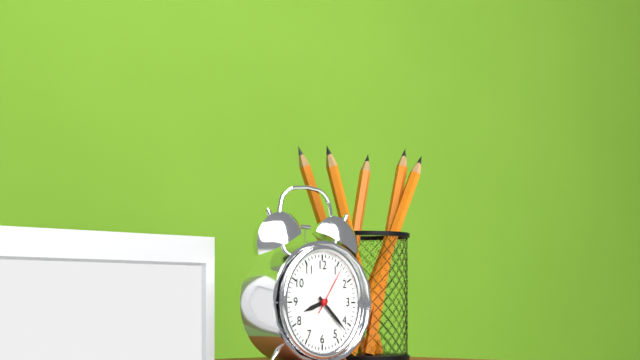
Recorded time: 8:22:06
